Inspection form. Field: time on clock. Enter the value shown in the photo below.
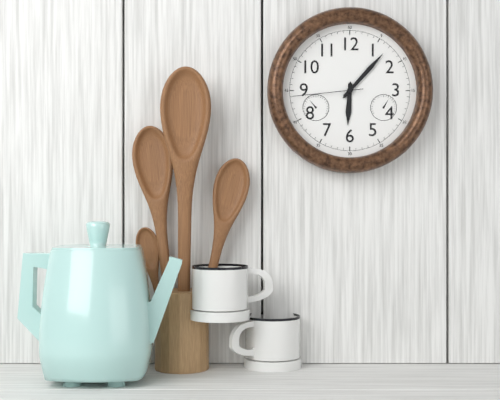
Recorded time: 6:07:44
